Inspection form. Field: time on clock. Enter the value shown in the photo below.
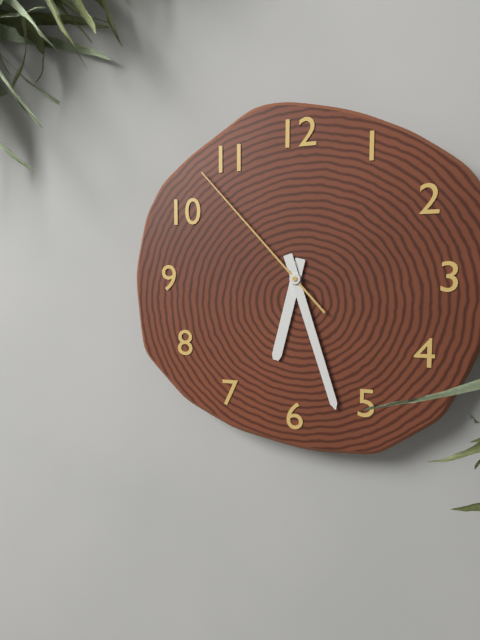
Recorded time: 6:27:53
